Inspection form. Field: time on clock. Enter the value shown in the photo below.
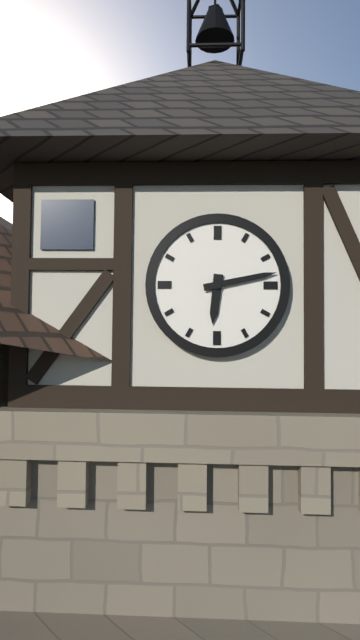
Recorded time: 6:13
